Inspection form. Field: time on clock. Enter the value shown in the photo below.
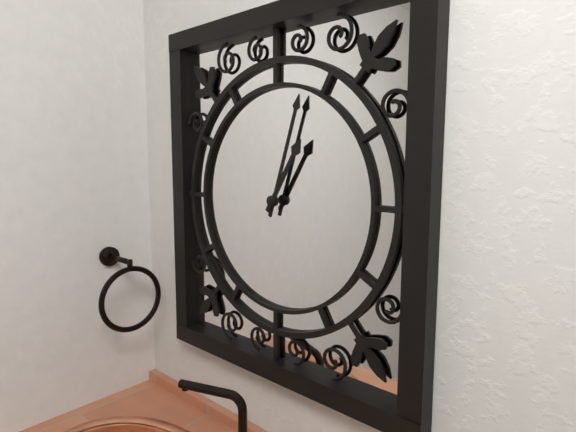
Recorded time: 1:03
